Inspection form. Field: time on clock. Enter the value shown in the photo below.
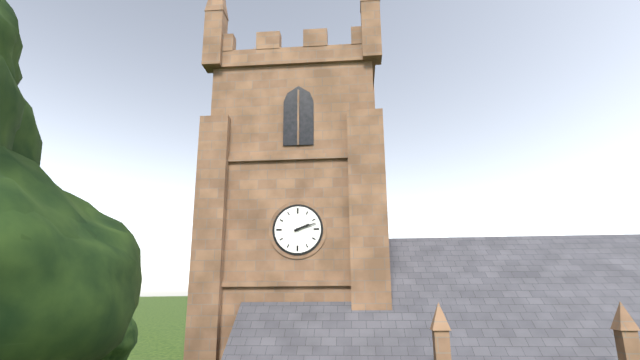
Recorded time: 2:12
